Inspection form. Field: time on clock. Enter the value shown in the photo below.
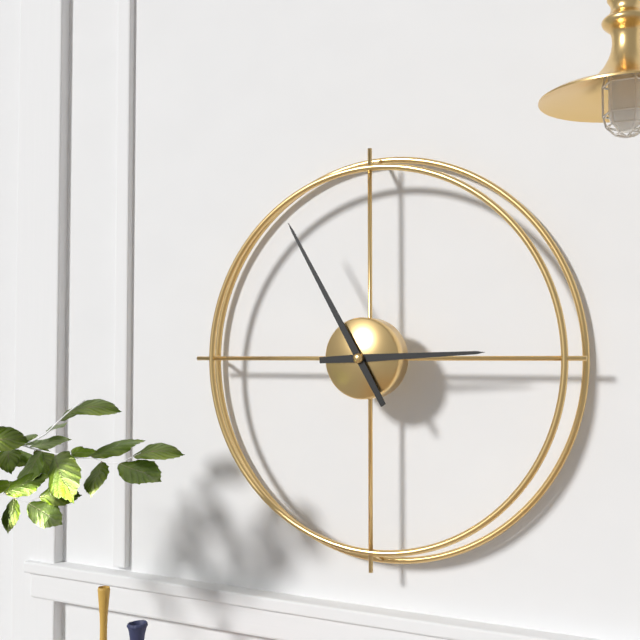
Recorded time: 2:55
